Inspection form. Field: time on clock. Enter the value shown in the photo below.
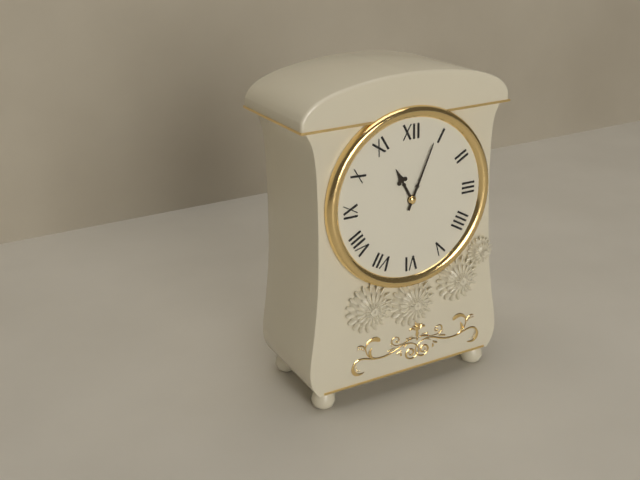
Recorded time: 11:04
